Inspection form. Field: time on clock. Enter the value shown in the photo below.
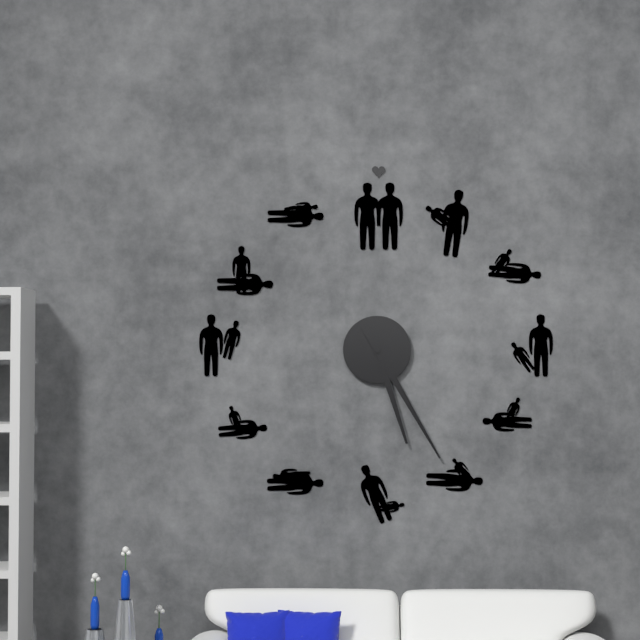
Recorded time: 5:25
